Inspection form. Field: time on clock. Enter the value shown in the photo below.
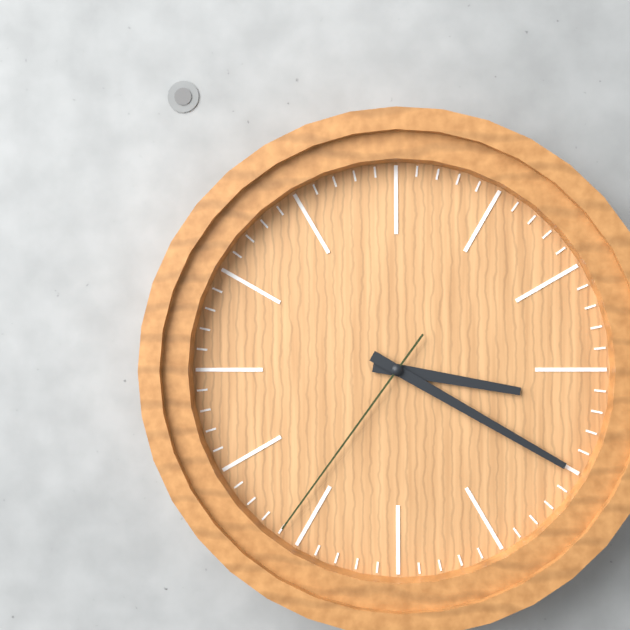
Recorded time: 3:20:36
